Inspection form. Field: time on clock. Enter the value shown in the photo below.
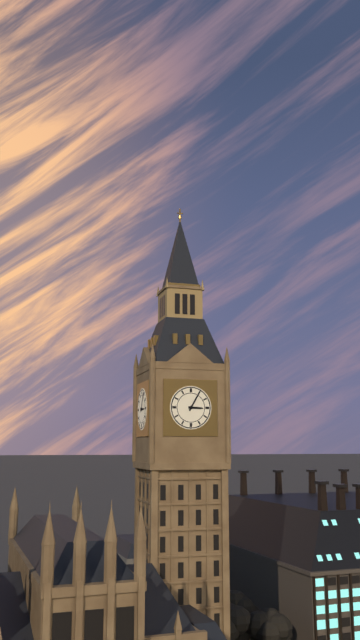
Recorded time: 3:05
